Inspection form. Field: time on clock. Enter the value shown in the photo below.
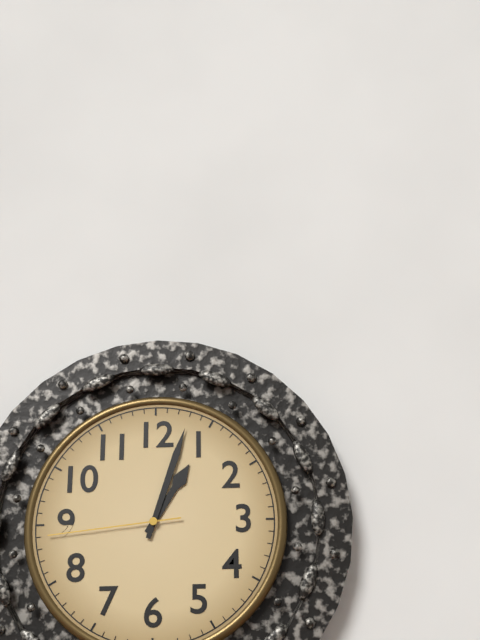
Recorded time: 1:03:44
